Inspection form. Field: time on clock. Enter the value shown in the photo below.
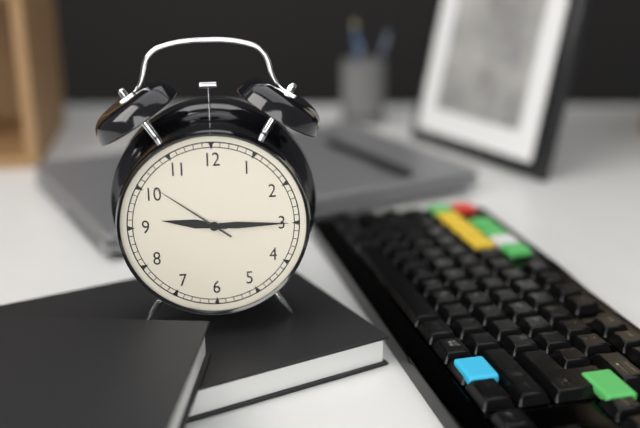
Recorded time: 9:15:51
